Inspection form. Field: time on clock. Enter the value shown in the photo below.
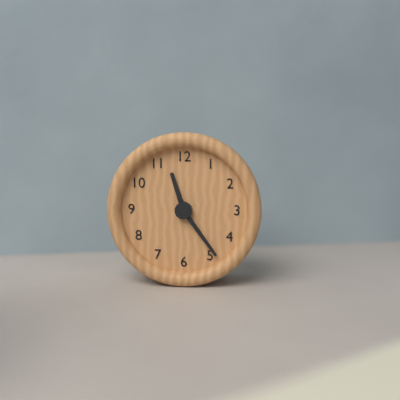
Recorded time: 11:24
